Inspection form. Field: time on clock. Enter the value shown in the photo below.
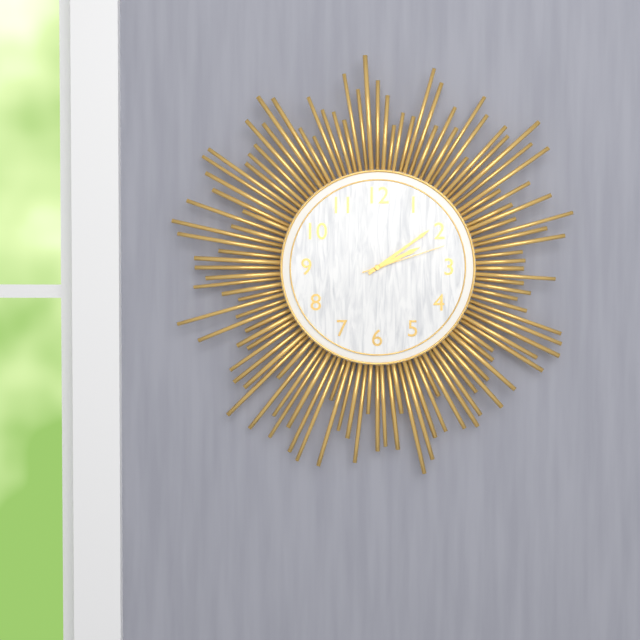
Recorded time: 2:09:12
